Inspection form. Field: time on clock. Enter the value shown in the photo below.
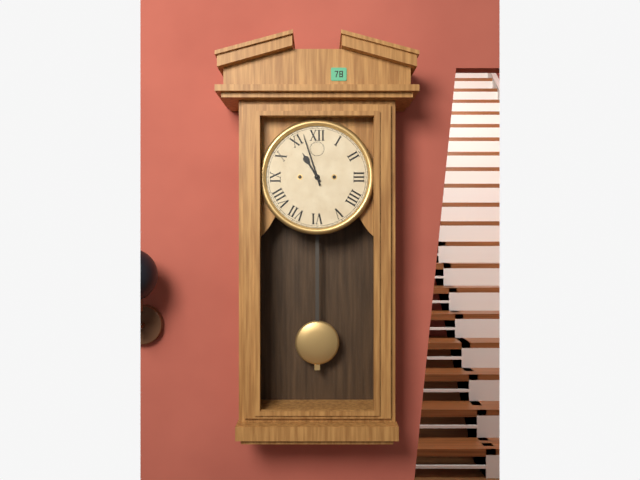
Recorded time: 10:57
